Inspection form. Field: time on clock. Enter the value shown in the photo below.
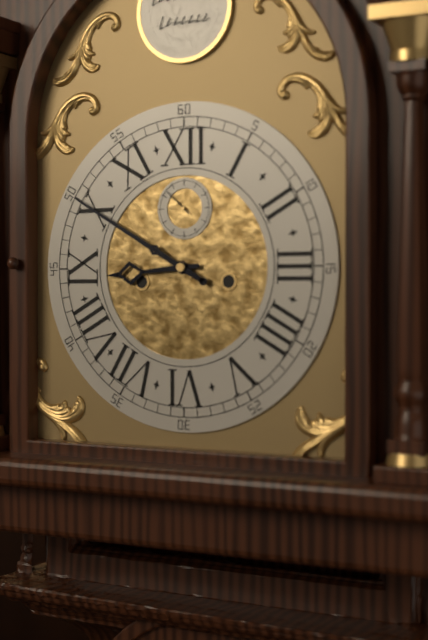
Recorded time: 8:50:52
